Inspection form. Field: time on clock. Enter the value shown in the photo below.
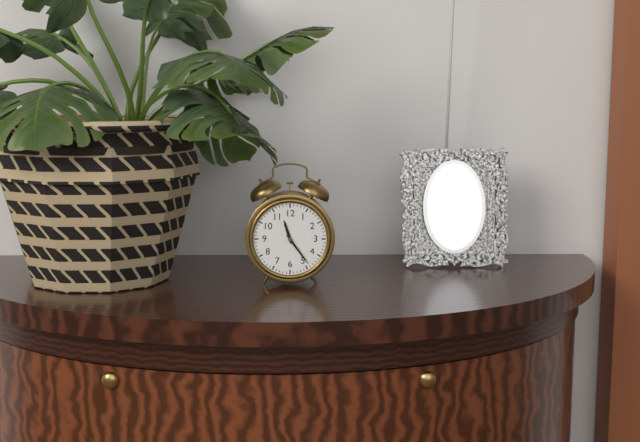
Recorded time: 11:24
